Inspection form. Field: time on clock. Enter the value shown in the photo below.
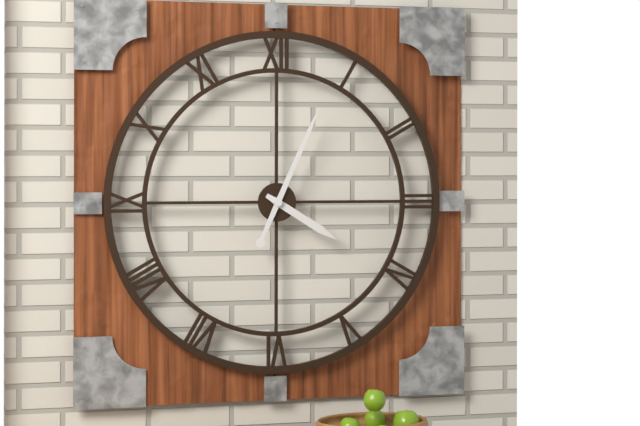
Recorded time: 4:04
